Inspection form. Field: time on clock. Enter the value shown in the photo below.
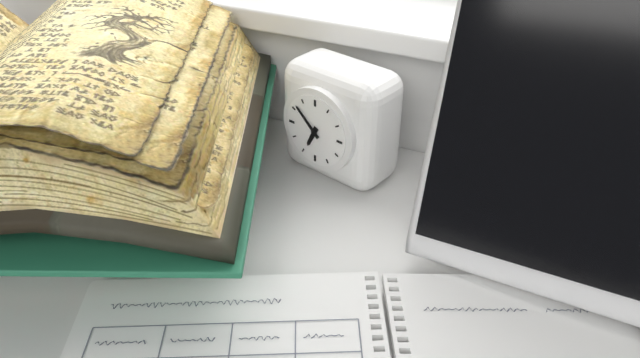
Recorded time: 6:52
